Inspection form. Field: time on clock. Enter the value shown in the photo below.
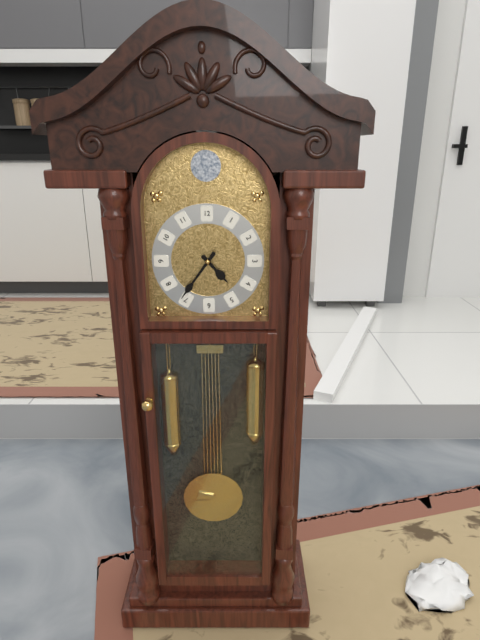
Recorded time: 4:36
